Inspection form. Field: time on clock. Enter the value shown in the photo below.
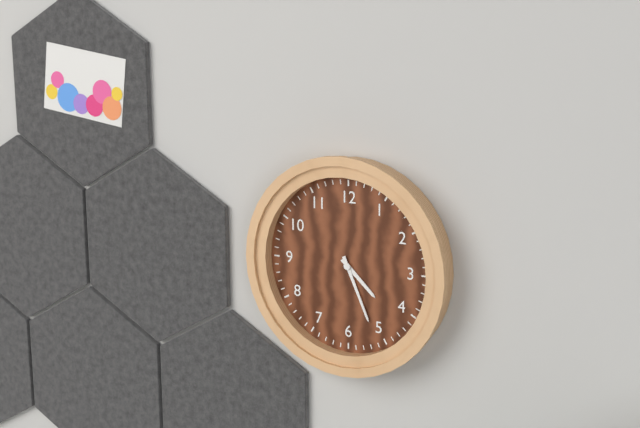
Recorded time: 4:26
